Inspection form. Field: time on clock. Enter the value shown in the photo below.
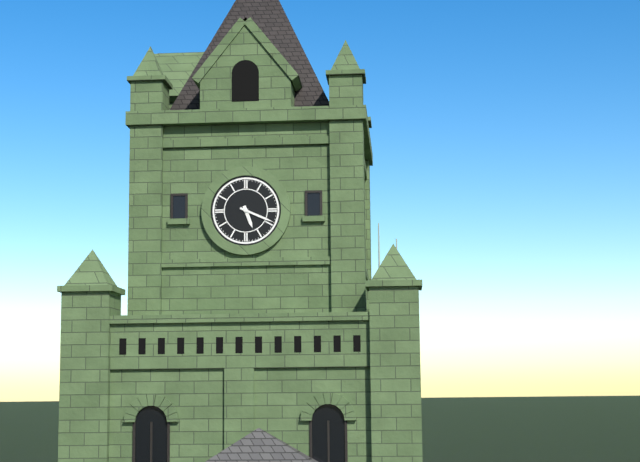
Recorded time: 5:19
